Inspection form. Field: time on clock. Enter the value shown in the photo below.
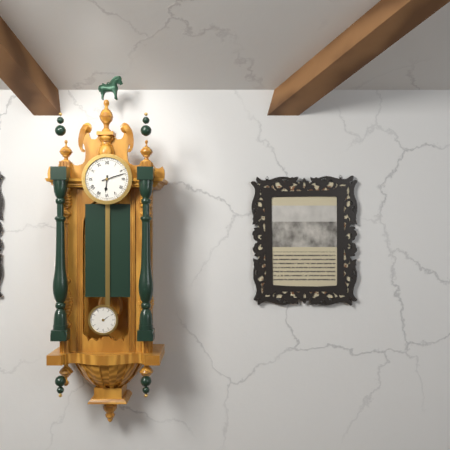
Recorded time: 6:12
